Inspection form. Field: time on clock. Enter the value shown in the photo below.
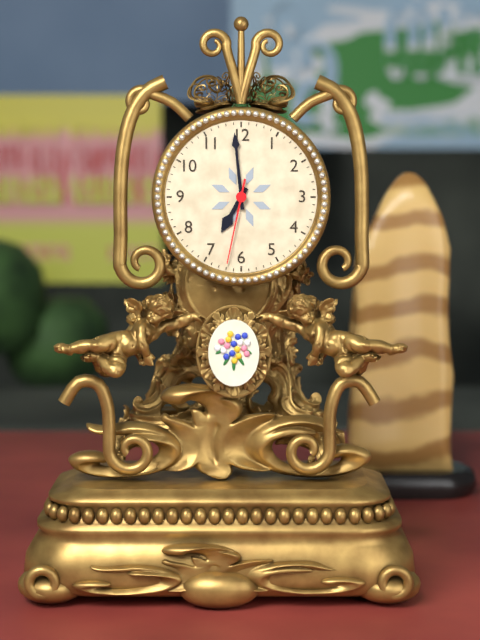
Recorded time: 6:59:32
